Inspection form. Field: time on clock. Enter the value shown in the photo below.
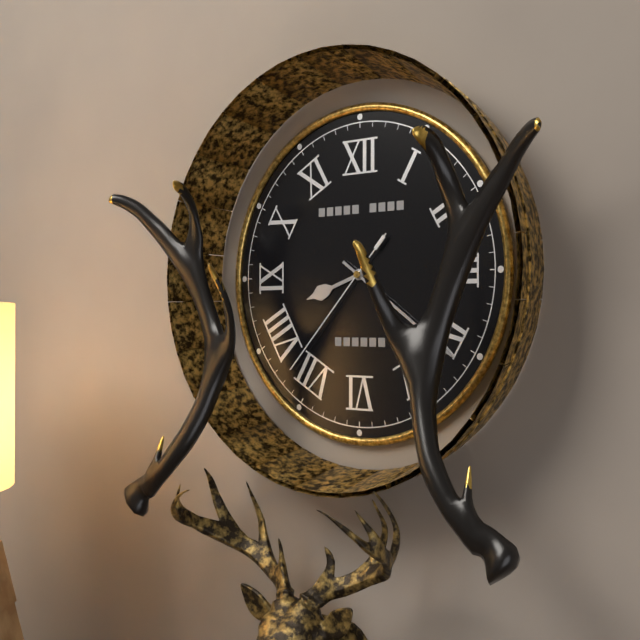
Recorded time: 8:21:37
